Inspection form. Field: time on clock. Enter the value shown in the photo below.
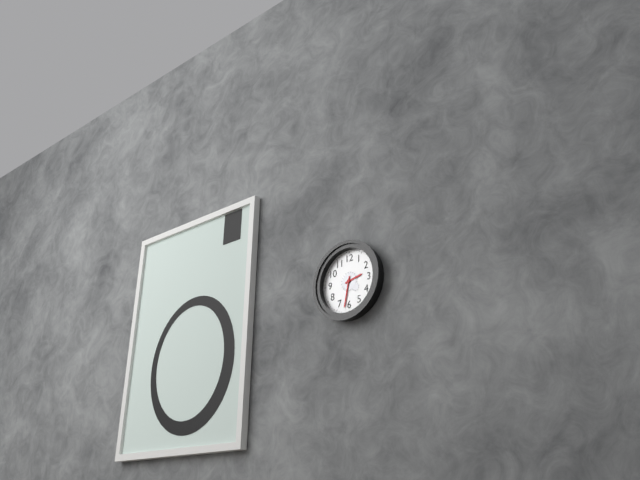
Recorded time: 2:32
